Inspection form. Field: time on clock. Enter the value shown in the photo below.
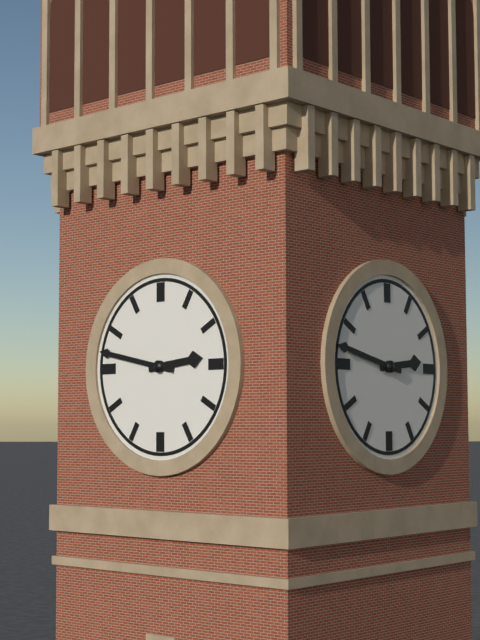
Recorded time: 2:47
